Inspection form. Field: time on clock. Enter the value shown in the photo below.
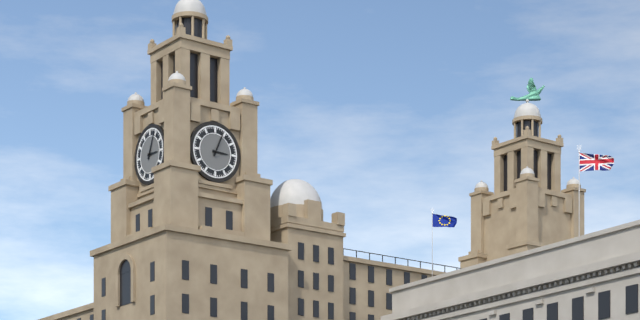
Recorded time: 3:04
